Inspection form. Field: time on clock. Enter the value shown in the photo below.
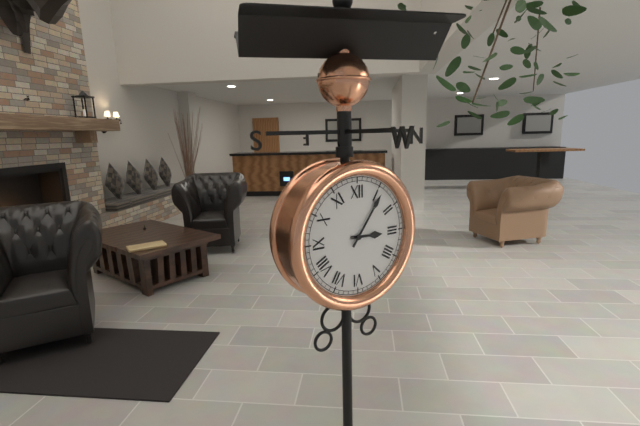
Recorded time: 3:06
